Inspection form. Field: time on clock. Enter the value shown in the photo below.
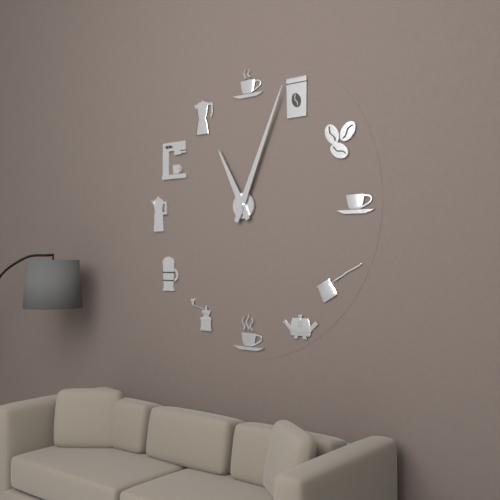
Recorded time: 11:04
